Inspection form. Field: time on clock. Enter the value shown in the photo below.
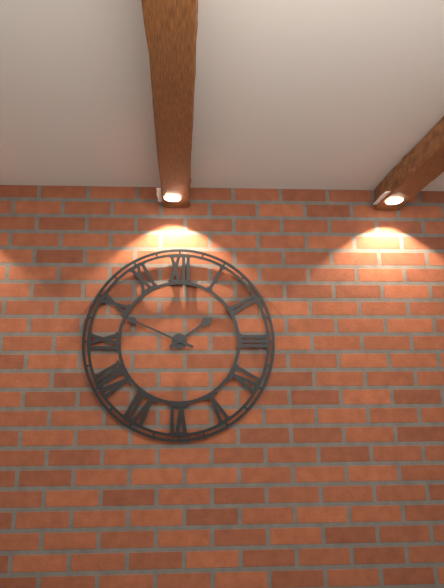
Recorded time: 1:49
